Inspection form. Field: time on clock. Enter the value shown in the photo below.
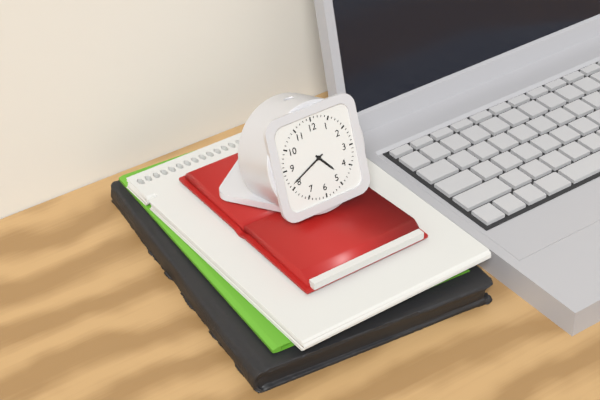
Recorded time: 4:41
